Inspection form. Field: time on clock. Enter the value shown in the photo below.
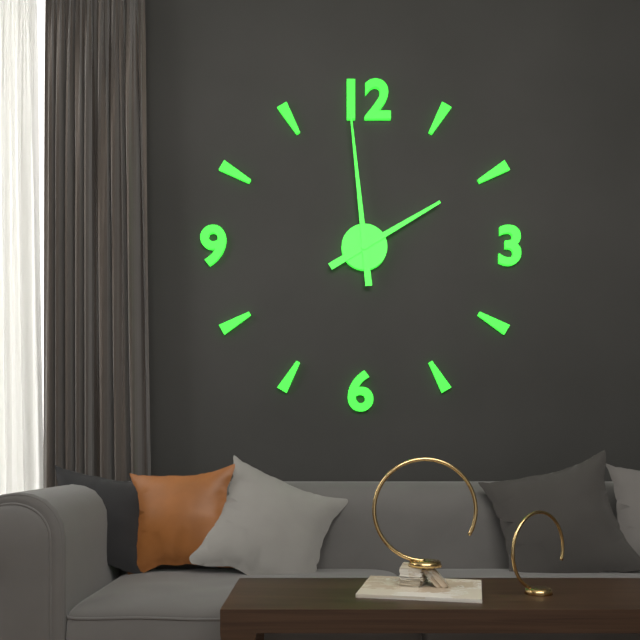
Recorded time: 1:59
